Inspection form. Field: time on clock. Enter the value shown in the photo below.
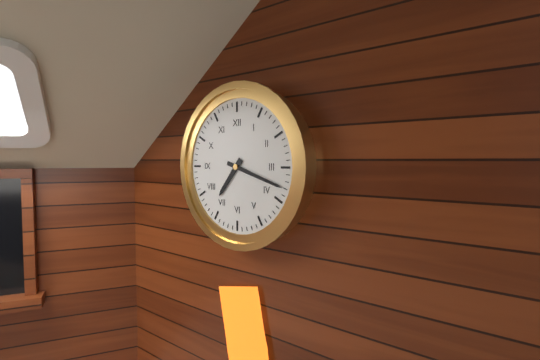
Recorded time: 7:18
